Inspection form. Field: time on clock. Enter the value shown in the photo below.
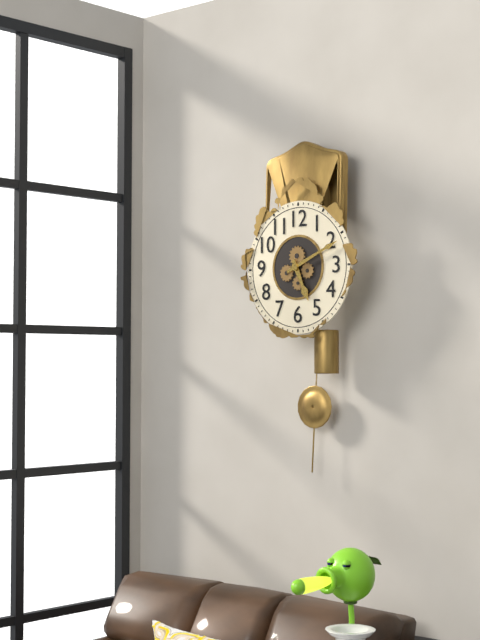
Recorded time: 5:11
